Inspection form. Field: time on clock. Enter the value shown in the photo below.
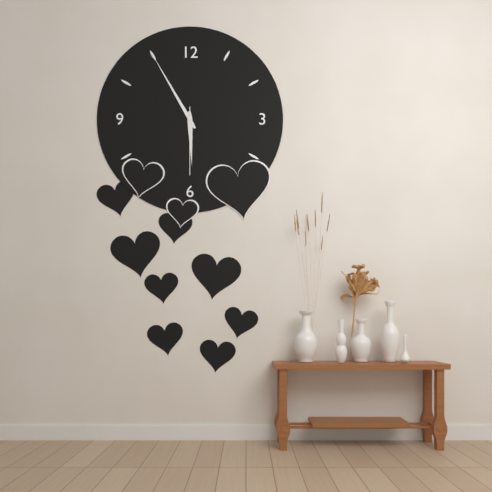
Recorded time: 5:55:30
